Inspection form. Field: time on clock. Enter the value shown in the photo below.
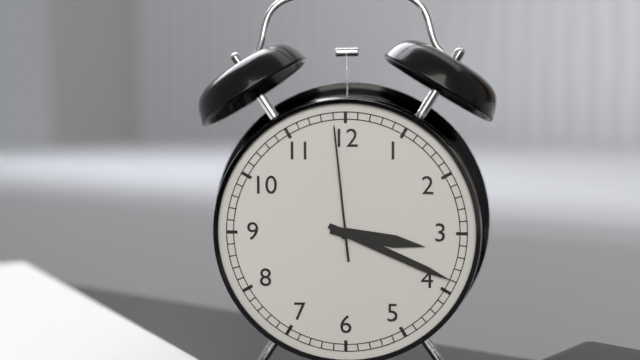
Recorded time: 3:19:59
